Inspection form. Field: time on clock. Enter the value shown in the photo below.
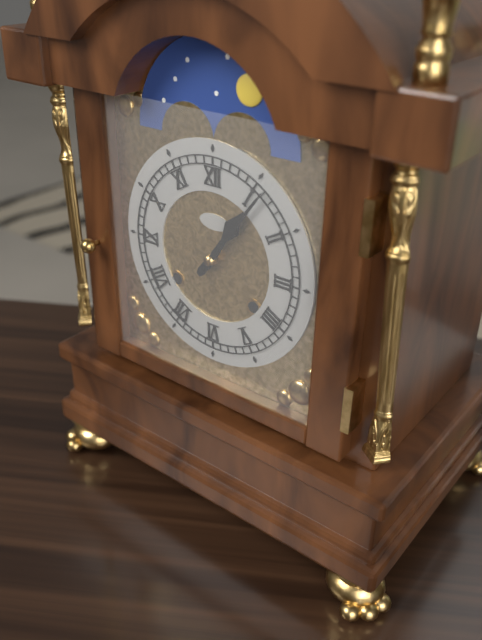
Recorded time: 1:06
